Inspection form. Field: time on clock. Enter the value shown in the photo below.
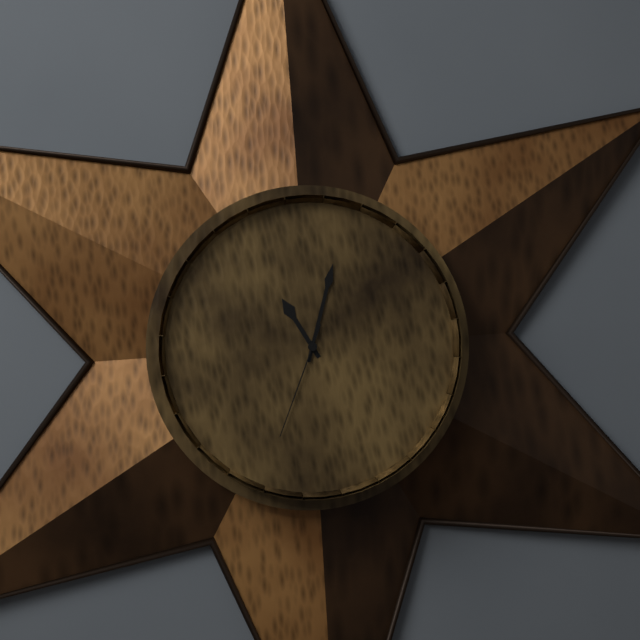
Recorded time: 11:03:34
